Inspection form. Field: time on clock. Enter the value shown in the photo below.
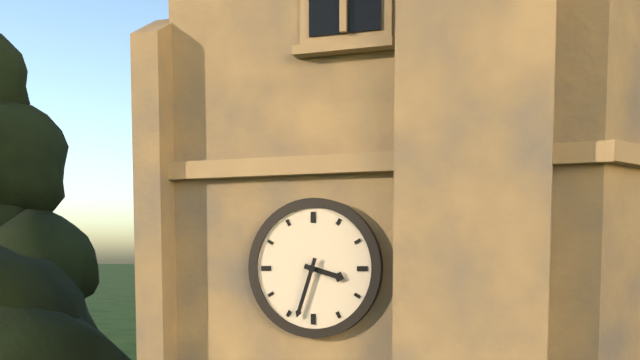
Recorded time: 3:33
